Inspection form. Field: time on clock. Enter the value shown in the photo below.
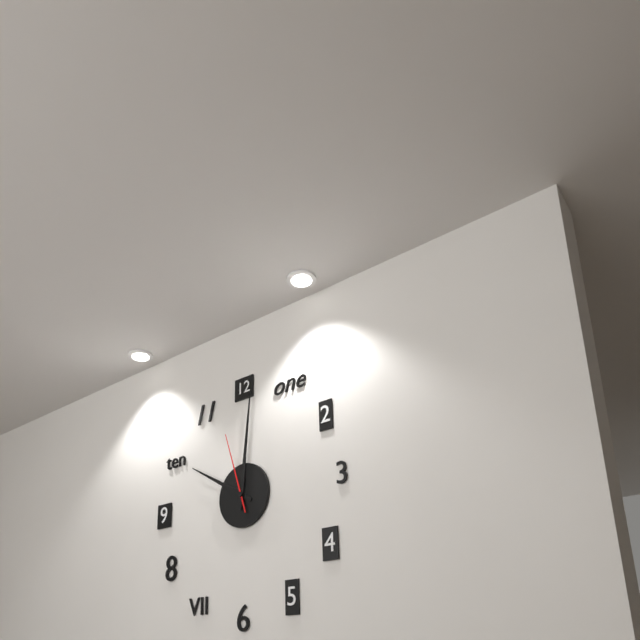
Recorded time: 10:01:57
